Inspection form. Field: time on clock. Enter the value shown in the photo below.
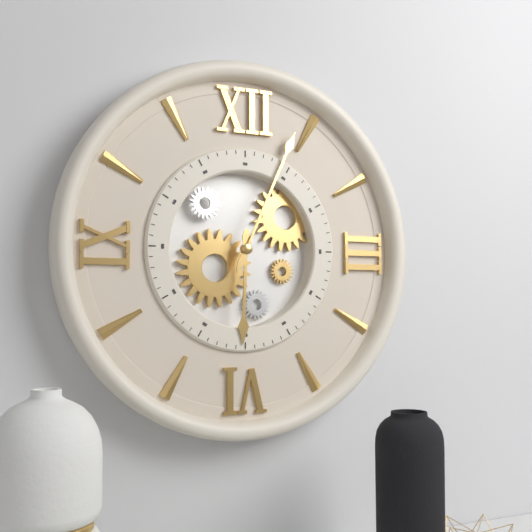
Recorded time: 6:04
